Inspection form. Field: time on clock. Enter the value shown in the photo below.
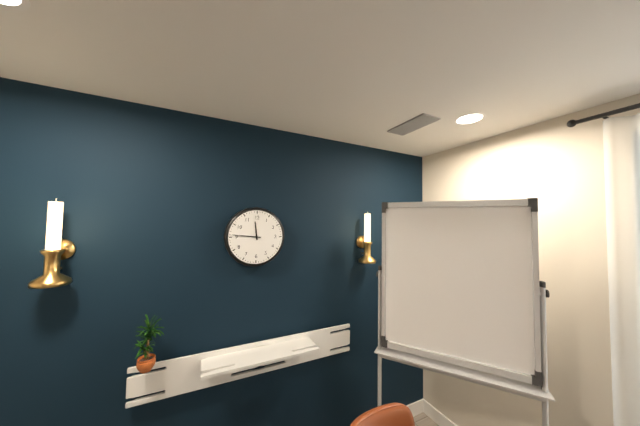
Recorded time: 11:46
